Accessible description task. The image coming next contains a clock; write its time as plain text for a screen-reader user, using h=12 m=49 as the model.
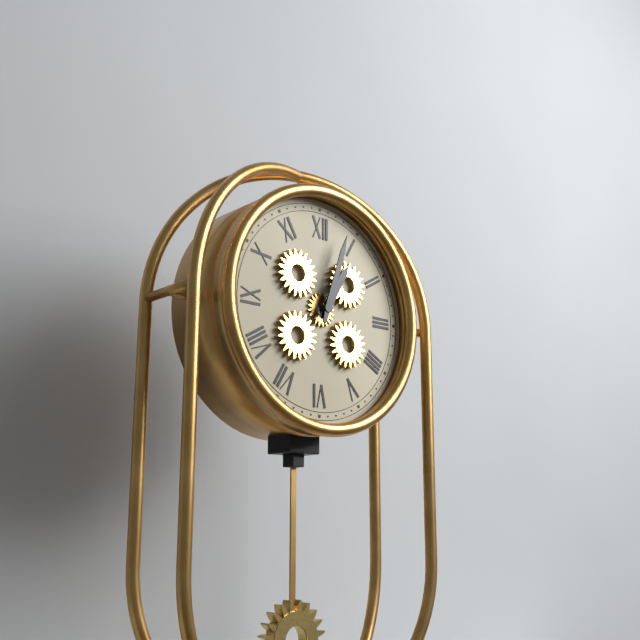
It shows h=1 m=3
